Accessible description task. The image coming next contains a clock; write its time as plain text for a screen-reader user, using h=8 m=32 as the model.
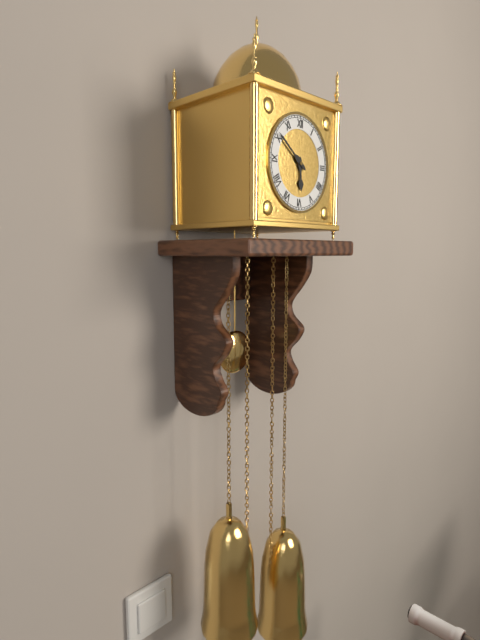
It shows h=5 m=51
